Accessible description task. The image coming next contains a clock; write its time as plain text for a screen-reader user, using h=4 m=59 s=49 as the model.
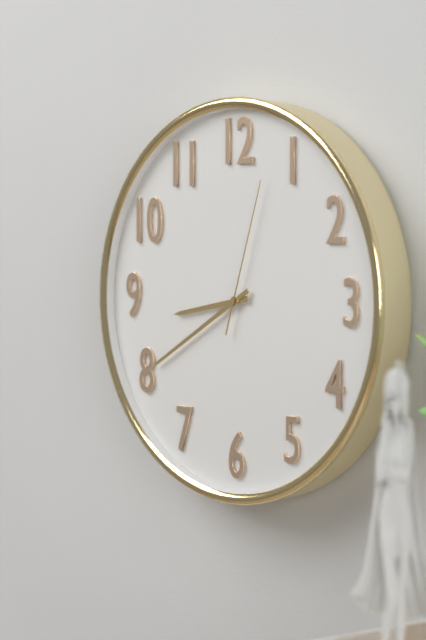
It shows h=8 m=40 s=3
